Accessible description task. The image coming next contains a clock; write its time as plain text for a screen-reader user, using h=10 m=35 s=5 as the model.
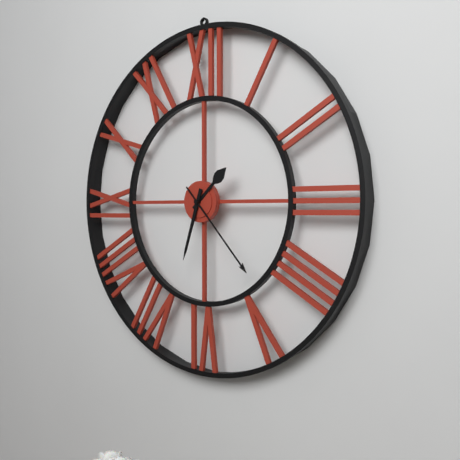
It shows h=1 m=33 s=23
